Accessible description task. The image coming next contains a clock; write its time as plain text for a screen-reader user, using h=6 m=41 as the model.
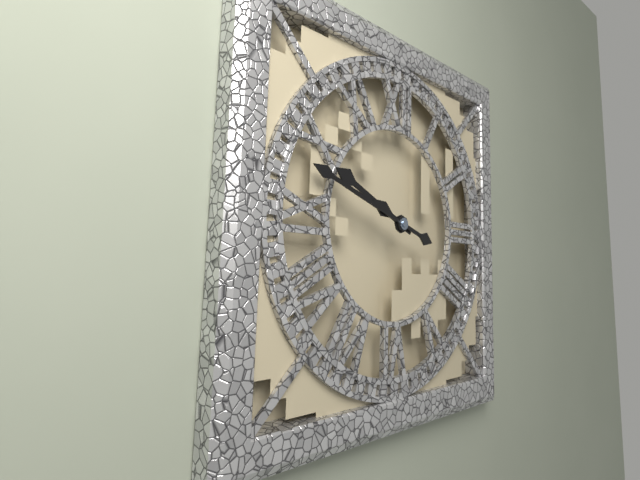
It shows h=9 m=48
